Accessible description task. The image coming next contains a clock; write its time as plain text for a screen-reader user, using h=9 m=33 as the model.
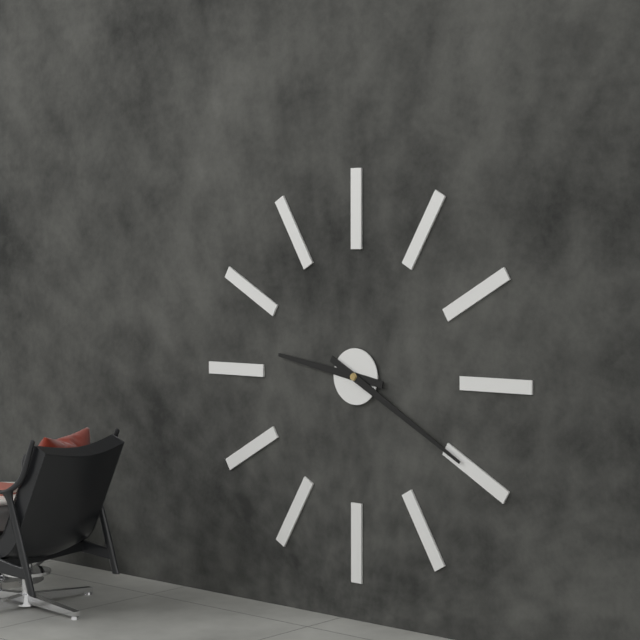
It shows h=9 m=20
